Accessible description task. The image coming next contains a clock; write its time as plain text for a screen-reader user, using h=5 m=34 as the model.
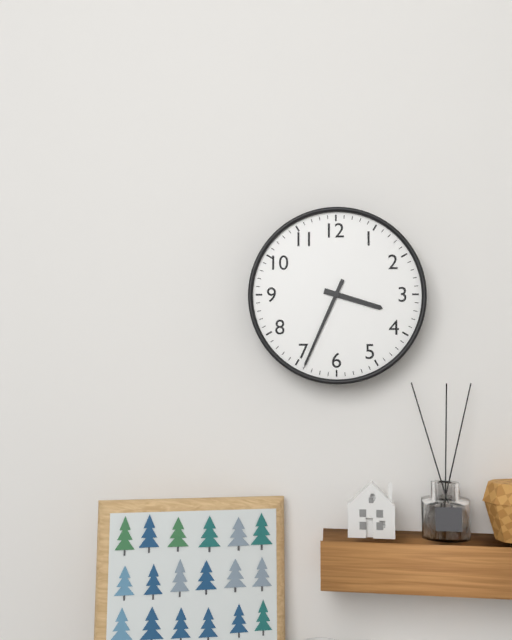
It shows h=3 m=34
